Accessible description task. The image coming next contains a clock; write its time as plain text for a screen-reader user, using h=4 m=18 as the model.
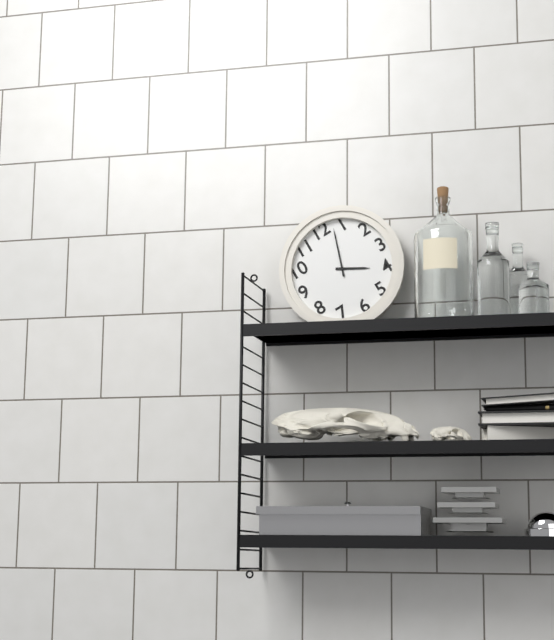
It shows h=4 m=3
